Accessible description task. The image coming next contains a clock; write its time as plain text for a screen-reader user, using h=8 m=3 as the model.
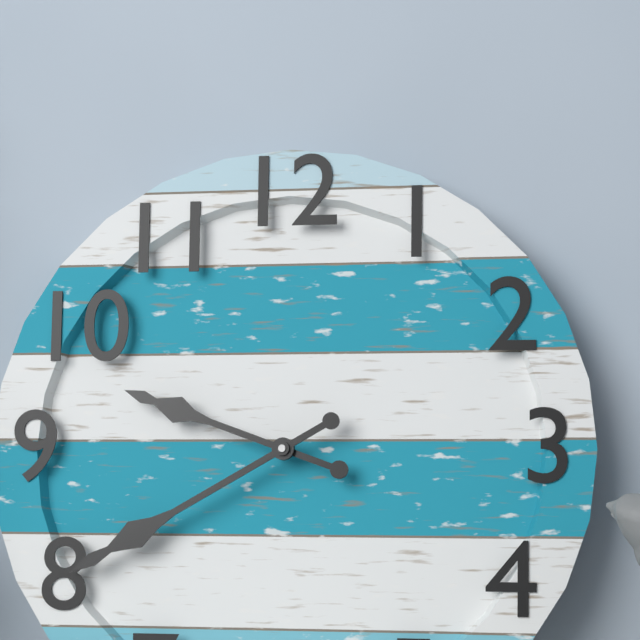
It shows h=9 m=40
